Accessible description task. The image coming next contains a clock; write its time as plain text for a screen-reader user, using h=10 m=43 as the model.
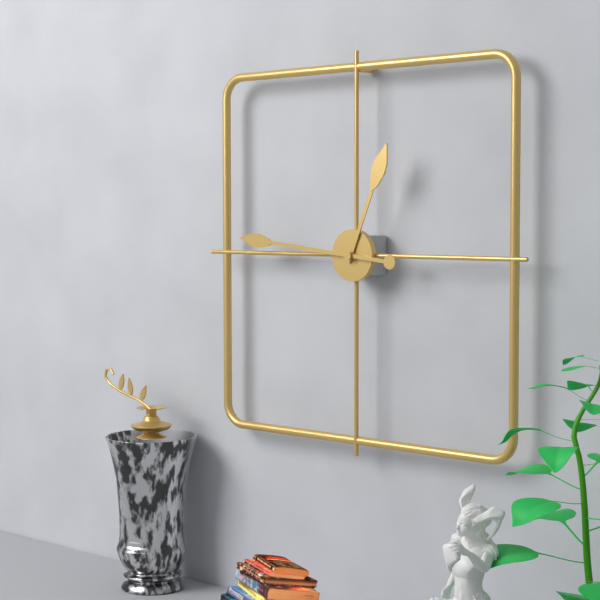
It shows h=12 m=46
